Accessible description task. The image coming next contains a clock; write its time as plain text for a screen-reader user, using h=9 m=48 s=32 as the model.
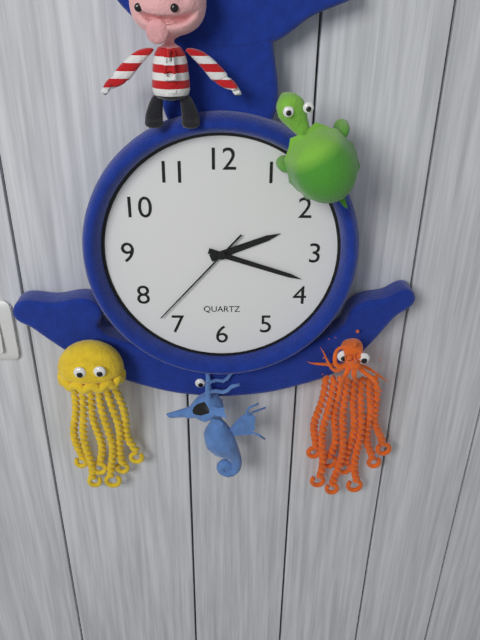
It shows h=2 m=18 s=37
